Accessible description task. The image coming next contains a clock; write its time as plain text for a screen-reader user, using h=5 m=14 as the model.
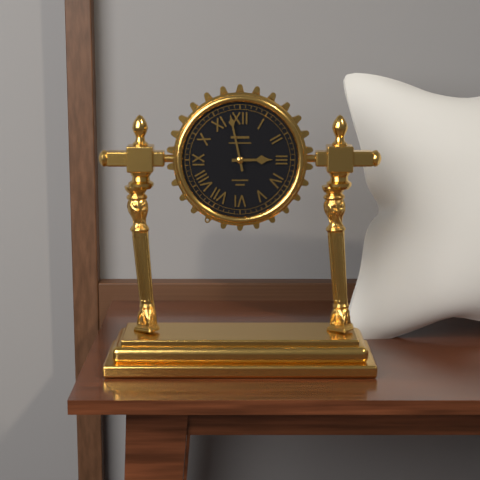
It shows h=2 m=58
